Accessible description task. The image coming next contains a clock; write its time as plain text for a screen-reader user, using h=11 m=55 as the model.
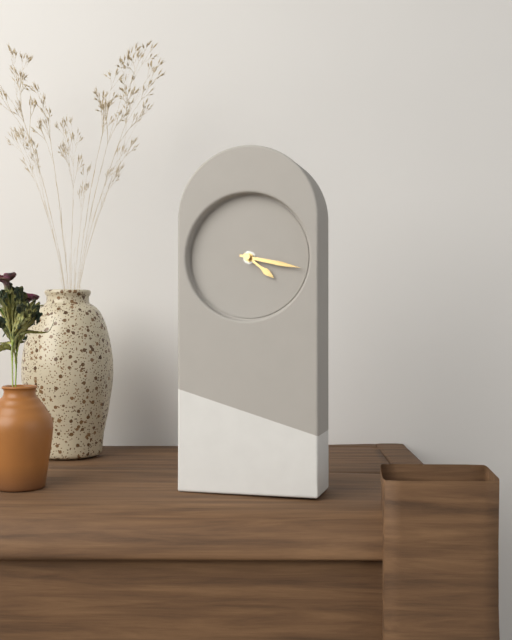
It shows h=4 m=17
